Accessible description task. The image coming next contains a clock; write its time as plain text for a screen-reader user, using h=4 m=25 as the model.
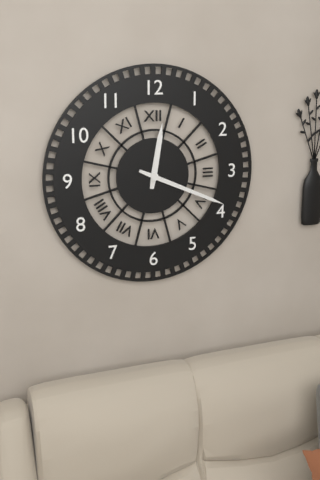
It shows h=12 m=19
